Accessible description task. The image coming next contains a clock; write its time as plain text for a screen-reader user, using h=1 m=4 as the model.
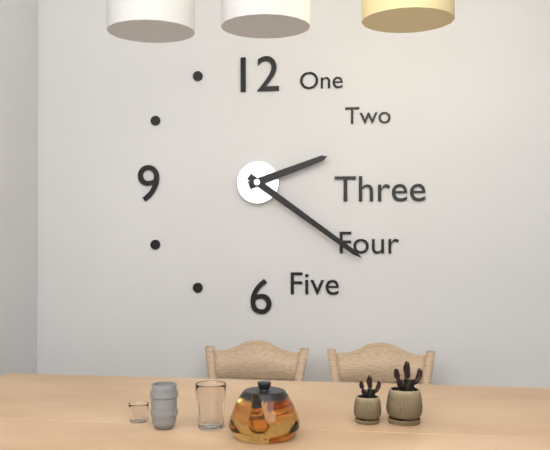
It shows h=2 m=21
